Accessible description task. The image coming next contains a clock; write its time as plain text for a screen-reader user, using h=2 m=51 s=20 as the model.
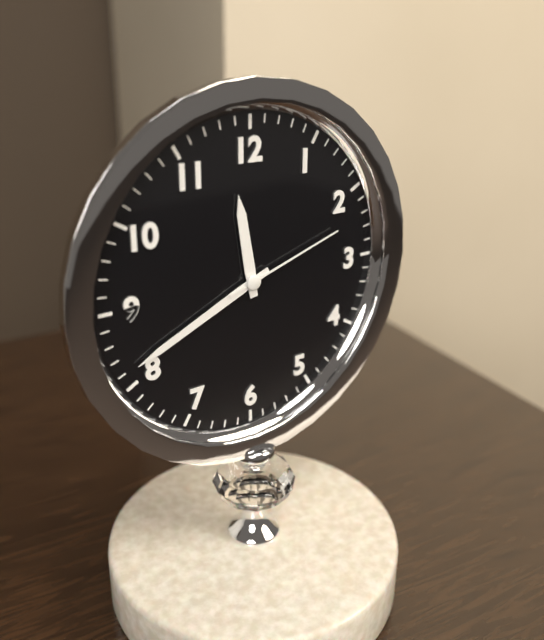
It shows h=11 m=41 s=12
